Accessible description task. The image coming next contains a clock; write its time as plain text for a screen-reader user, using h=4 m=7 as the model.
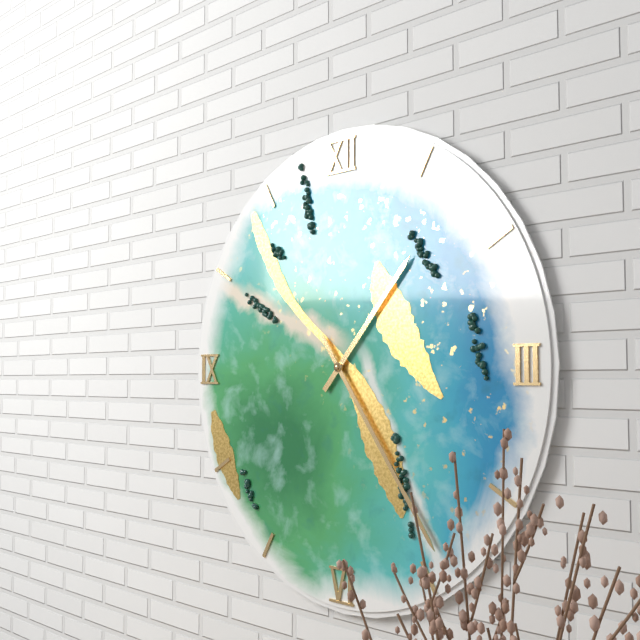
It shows h=1 m=24
